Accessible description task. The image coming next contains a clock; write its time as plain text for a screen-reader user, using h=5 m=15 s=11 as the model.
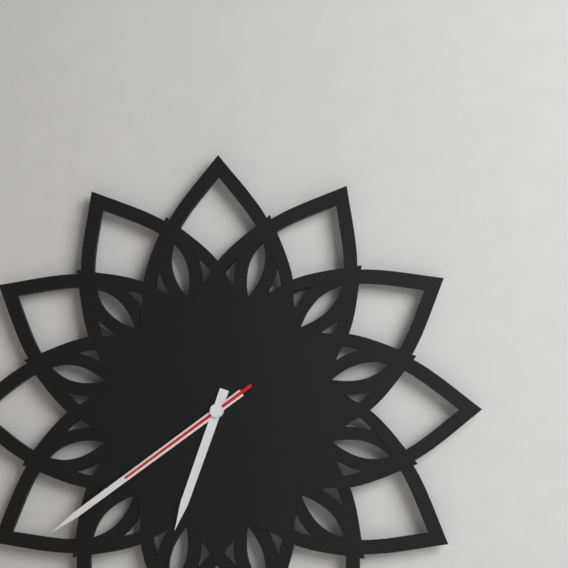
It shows h=6 m=39 s=39
